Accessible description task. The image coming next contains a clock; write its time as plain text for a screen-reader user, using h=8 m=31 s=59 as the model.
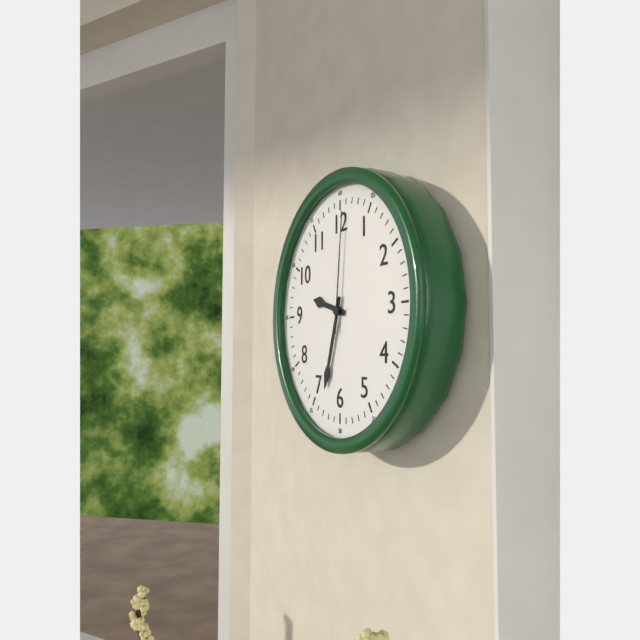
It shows h=9 m=33 s=1
